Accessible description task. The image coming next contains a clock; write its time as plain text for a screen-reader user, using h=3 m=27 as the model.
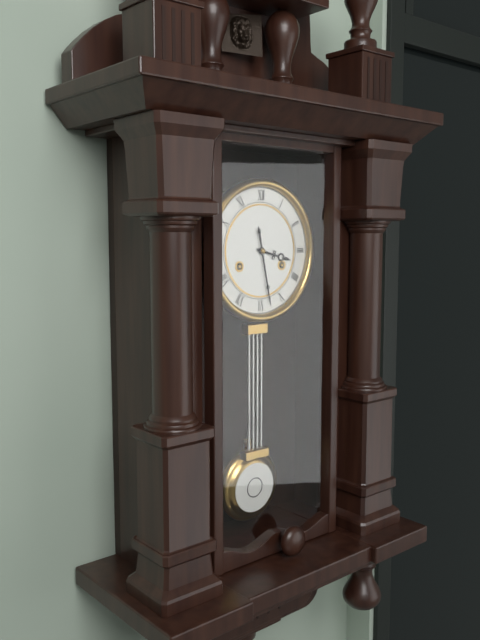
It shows h=3 m=28
